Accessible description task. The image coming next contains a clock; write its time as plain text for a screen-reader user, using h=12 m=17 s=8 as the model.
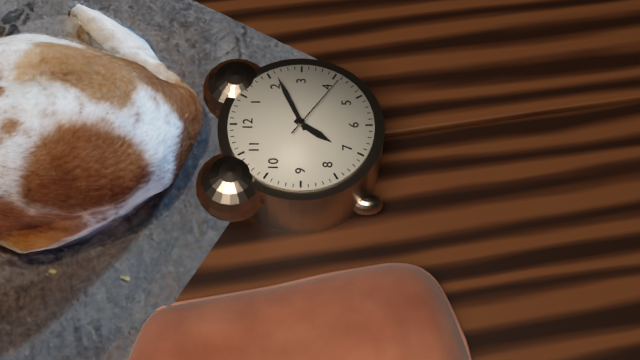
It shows h=7 m=11 s=21
